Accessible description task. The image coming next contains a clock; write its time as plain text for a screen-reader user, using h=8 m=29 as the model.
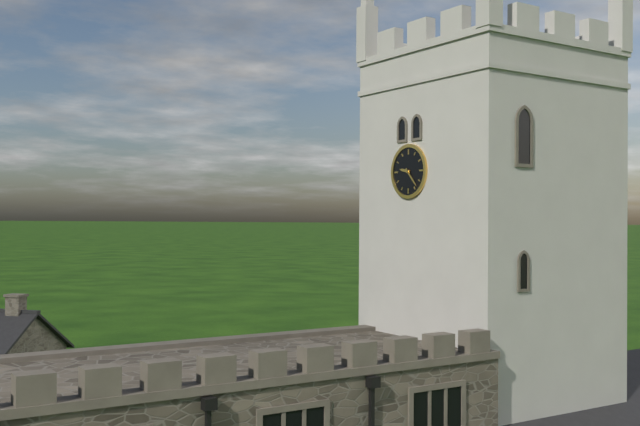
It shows h=9 m=23
